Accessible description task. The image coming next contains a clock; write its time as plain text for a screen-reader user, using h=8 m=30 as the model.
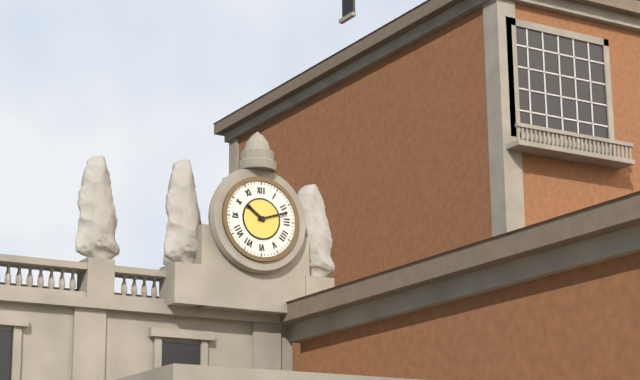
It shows h=10 m=12
